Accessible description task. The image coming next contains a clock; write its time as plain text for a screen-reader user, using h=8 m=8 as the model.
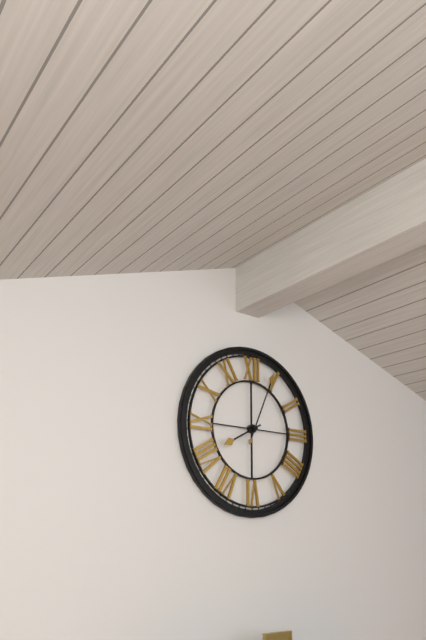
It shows h=8 m=4
